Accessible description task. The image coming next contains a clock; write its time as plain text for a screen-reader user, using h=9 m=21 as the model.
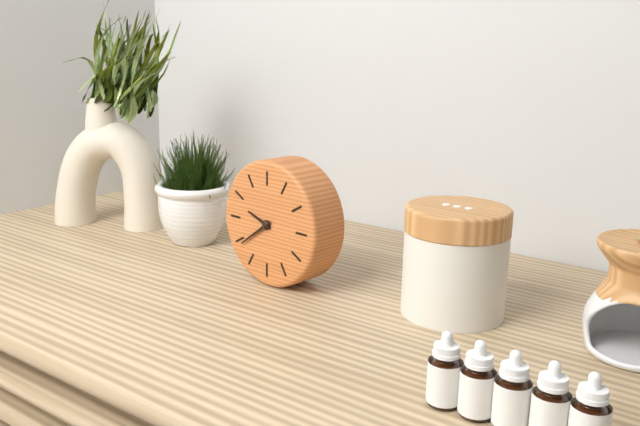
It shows h=9 m=39
